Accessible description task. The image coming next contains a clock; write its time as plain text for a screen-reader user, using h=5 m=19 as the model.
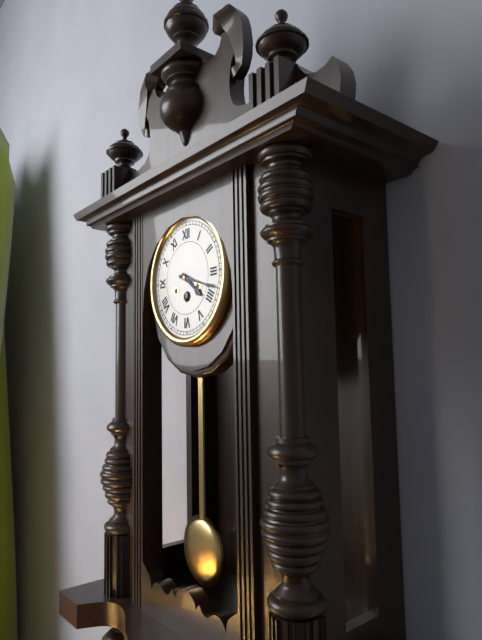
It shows h=4 m=18
